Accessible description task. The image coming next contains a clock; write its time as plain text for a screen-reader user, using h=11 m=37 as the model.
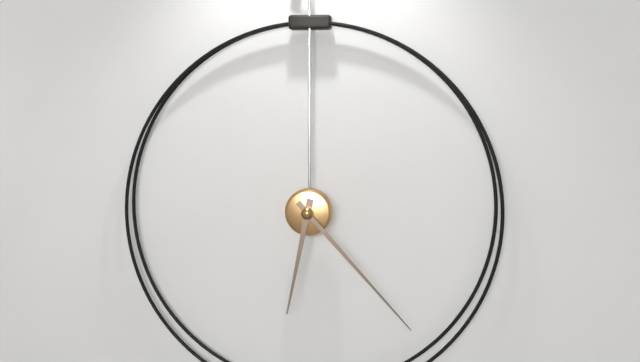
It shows h=6 m=23
